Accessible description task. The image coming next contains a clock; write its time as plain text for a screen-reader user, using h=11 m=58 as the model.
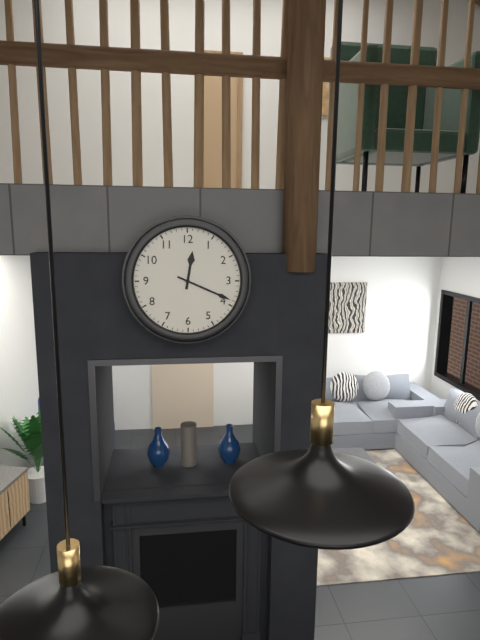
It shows h=12 m=19
